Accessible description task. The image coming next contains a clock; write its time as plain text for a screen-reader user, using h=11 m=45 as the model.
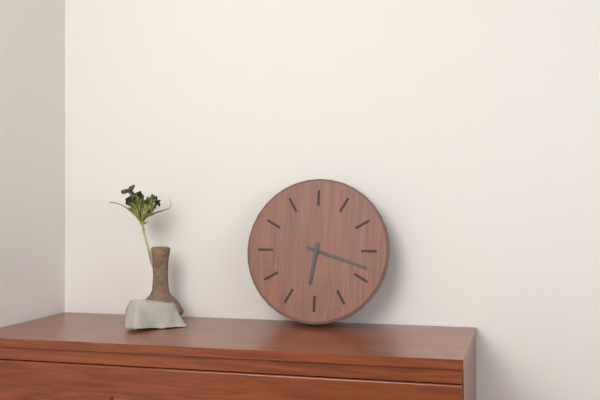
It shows h=6 m=18
